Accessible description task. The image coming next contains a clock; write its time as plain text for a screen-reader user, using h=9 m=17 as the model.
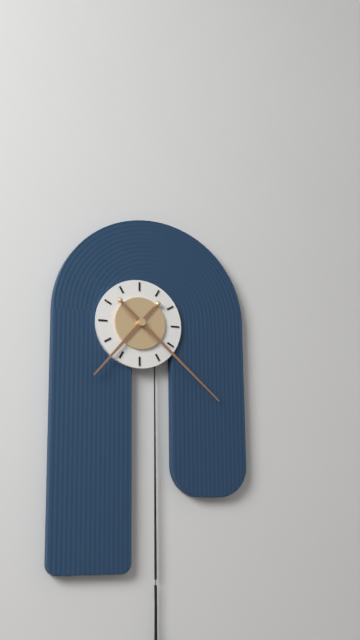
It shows h=7 m=22
